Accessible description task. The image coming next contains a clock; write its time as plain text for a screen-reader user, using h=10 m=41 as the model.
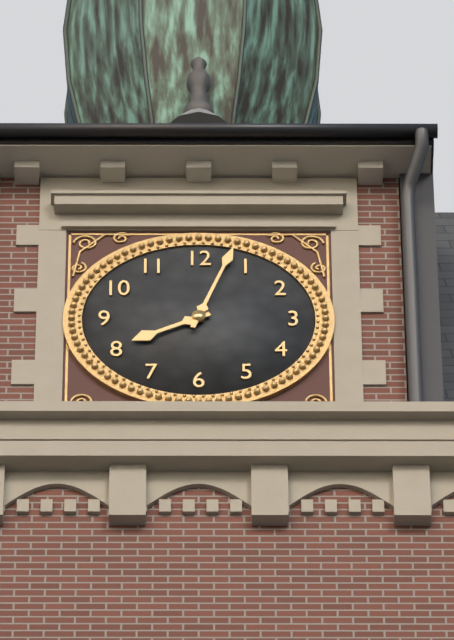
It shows h=8 m=3
